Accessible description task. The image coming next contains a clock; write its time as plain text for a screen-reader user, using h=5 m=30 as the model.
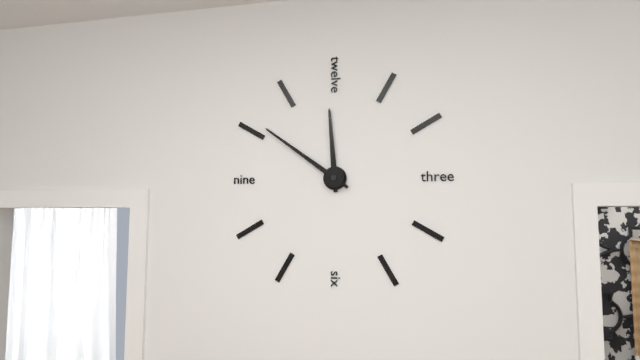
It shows h=11 m=51
